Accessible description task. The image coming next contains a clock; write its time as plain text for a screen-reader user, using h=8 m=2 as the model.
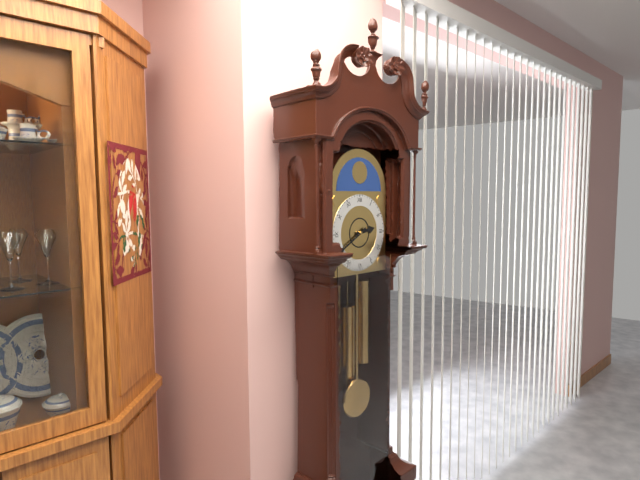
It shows h=2 m=40
